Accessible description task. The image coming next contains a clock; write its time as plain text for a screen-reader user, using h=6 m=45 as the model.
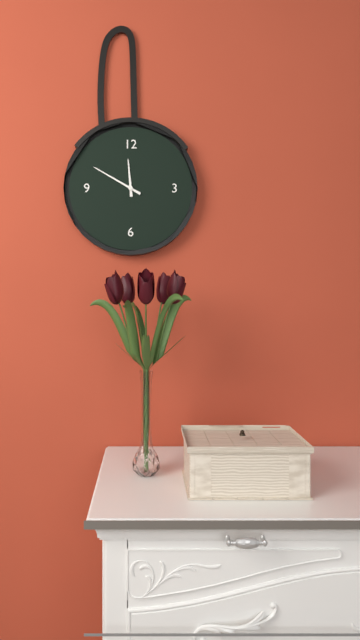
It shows h=11 m=50
